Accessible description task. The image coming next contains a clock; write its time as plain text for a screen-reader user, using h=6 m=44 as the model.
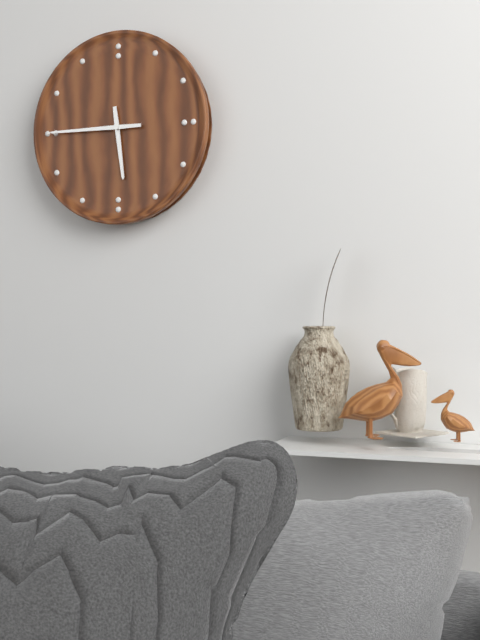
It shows h=5 m=45
